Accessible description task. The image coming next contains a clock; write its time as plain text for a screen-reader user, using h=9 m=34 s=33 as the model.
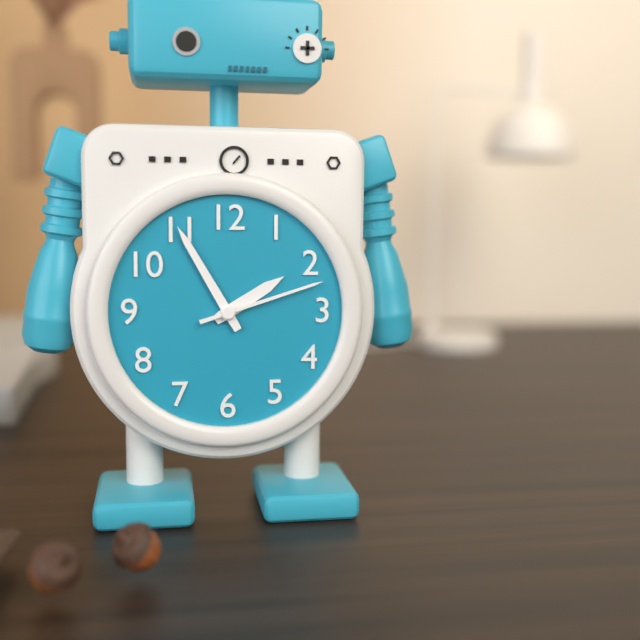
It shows h=1 m=55 s=12
